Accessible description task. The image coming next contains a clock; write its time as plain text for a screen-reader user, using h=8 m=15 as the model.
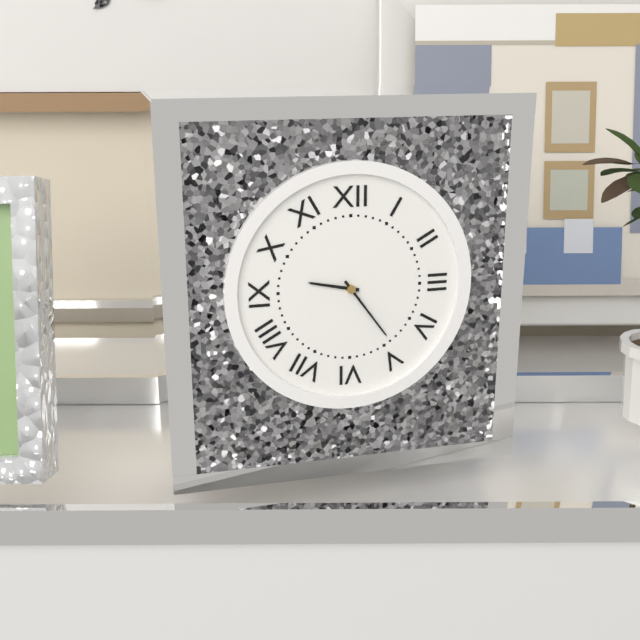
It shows h=9 m=24
